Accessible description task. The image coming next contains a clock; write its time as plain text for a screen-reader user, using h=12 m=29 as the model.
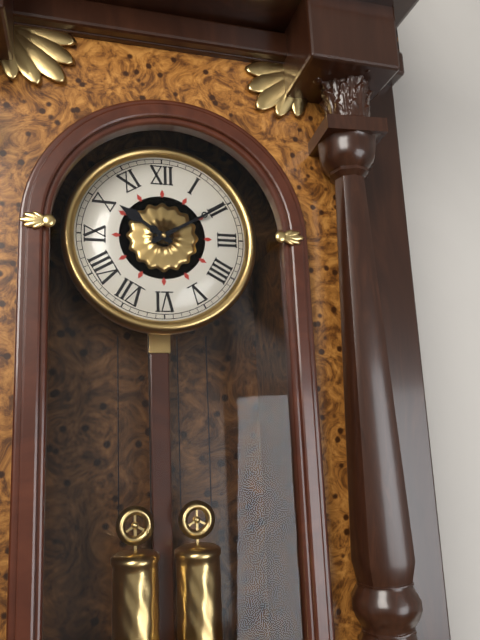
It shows h=10 m=10
